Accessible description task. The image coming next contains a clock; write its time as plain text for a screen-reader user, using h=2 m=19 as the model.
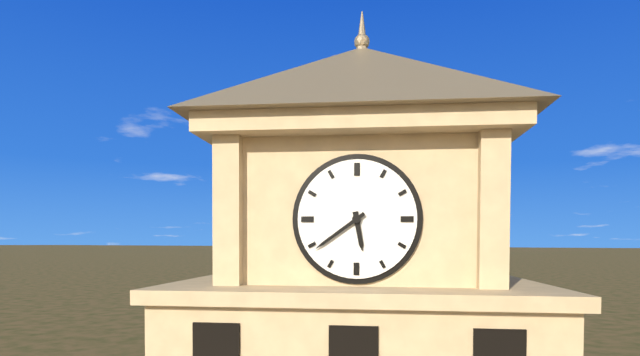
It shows h=5 m=39
